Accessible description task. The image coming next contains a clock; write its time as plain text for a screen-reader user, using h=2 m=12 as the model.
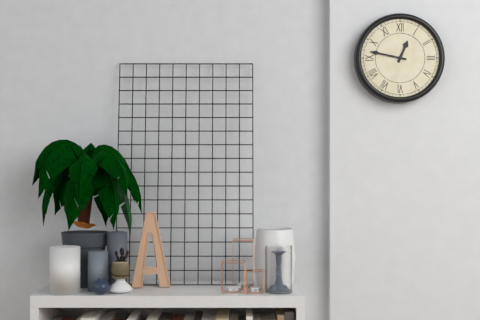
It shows h=12 m=47
